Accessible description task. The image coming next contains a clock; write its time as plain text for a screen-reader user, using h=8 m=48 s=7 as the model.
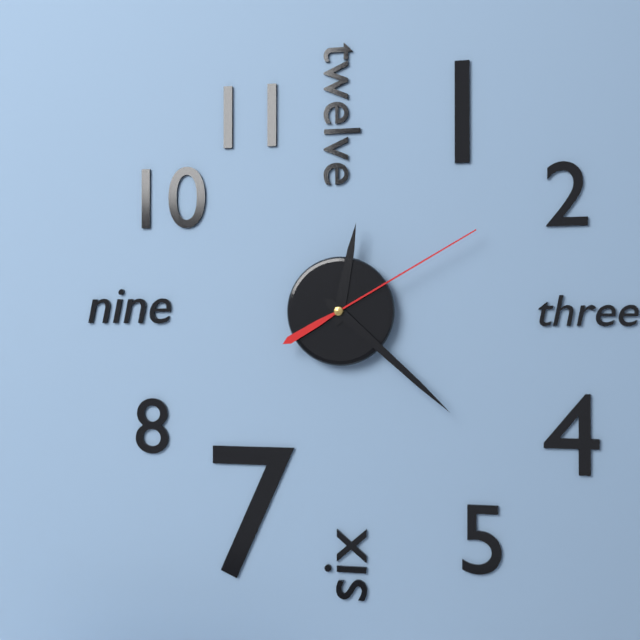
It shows h=12 m=22 s=10
